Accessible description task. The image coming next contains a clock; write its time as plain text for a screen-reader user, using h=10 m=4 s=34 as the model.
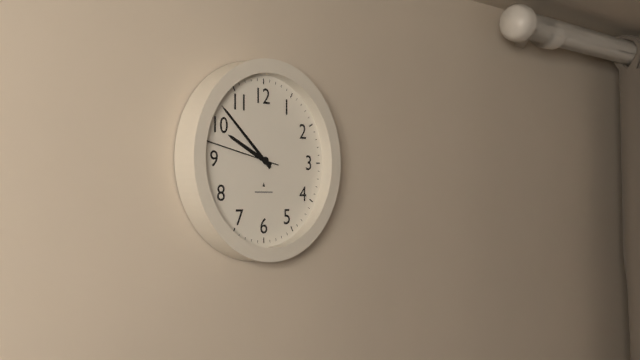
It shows h=9 m=52 s=47
